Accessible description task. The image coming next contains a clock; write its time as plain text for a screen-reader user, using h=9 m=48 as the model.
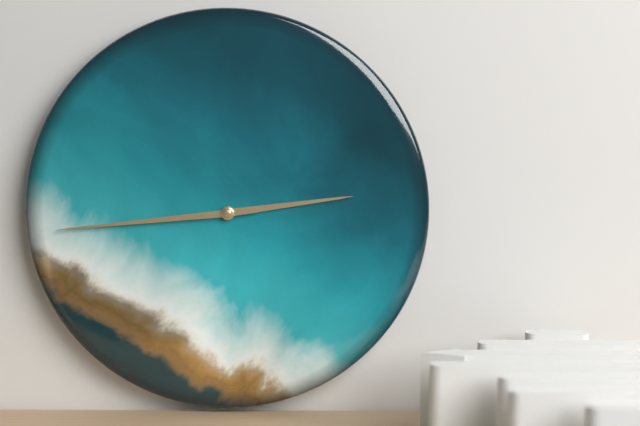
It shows h=2 m=44
